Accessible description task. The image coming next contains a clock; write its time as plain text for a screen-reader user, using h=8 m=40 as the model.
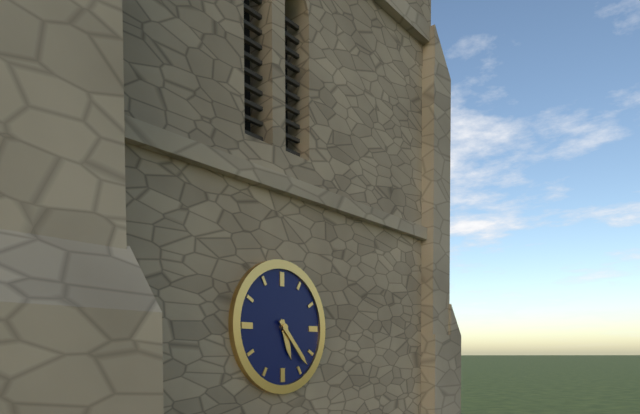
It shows h=5 m=23
